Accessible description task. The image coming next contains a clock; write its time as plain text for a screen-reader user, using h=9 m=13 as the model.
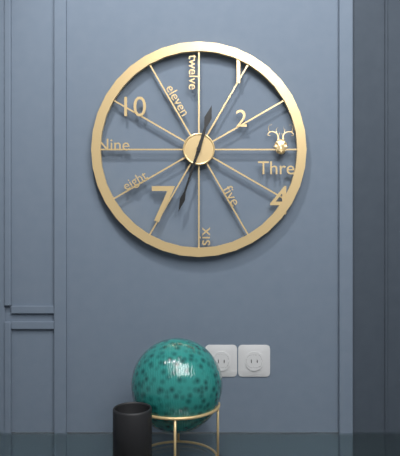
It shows h=12 m=33
